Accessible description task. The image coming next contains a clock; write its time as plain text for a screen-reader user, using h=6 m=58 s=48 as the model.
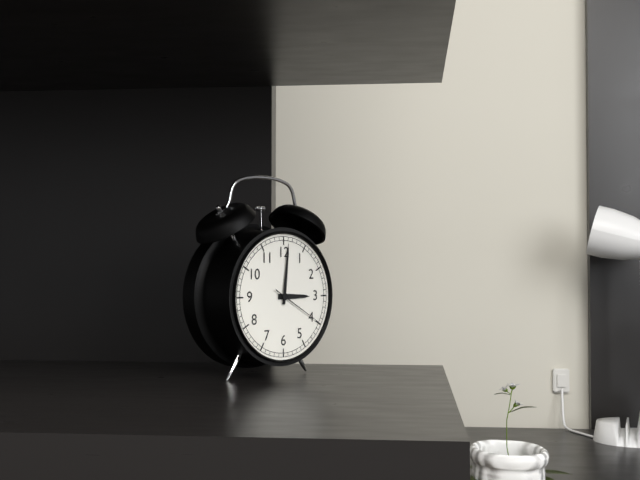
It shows h=3 m=1 s=20
